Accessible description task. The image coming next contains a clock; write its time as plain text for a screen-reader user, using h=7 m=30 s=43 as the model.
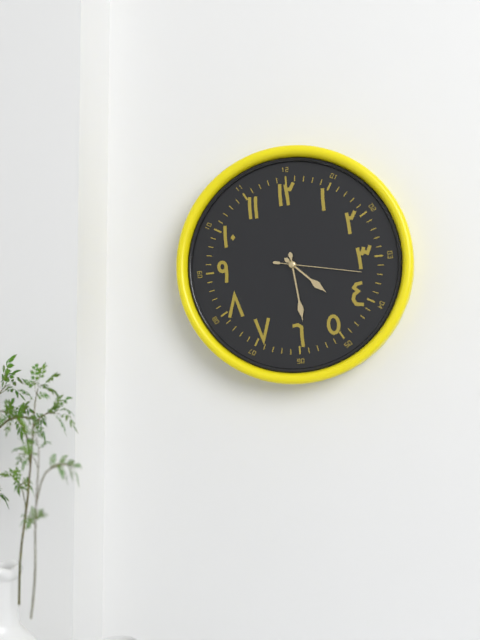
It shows h=4 m=29 s=17
